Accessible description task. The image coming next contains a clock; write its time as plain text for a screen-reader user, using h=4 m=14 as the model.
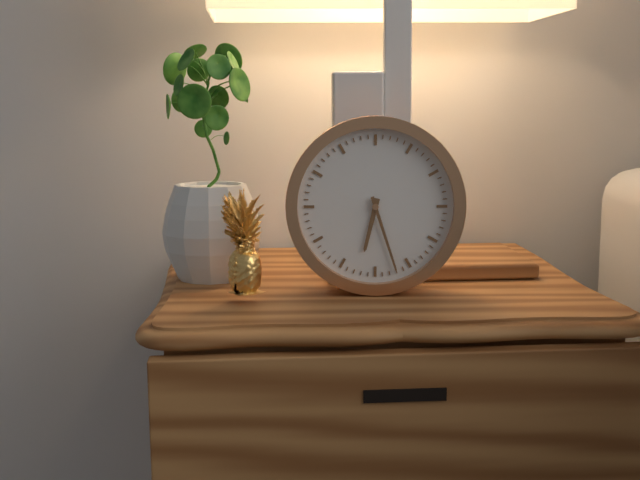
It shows h=6 m=27
